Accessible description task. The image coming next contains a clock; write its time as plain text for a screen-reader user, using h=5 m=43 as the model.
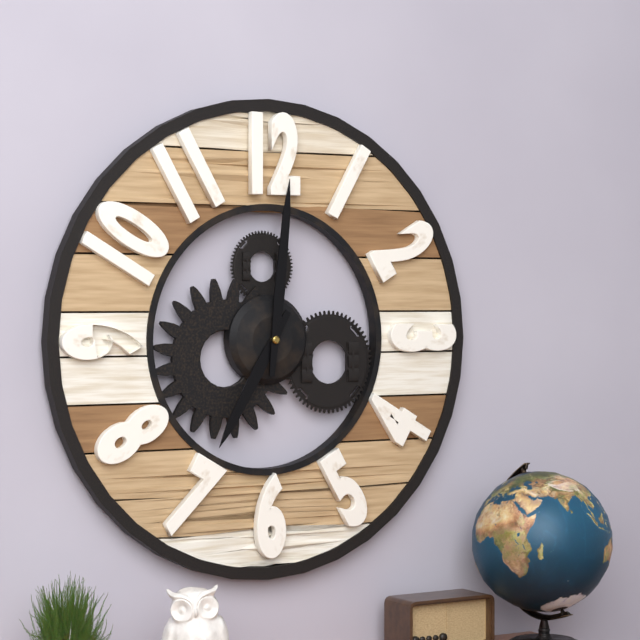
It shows h=7 m=1
